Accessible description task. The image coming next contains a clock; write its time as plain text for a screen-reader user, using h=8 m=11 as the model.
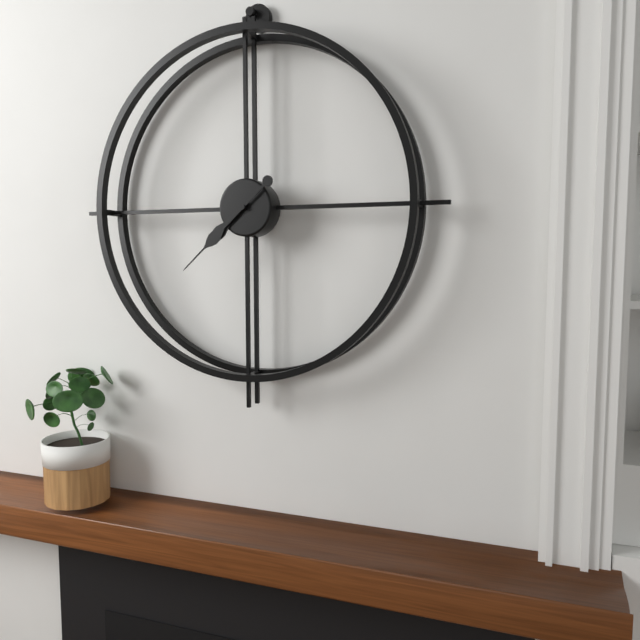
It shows h=7 m=38
